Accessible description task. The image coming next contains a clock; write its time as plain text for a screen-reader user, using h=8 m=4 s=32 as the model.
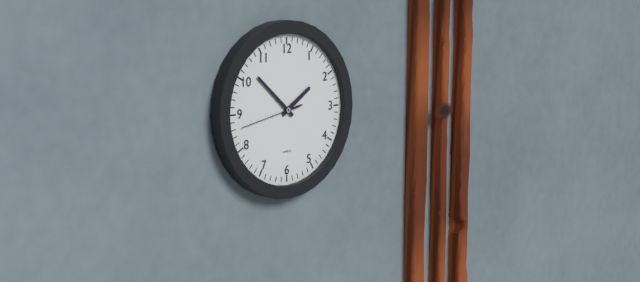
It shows h=1 m=52 s=43
